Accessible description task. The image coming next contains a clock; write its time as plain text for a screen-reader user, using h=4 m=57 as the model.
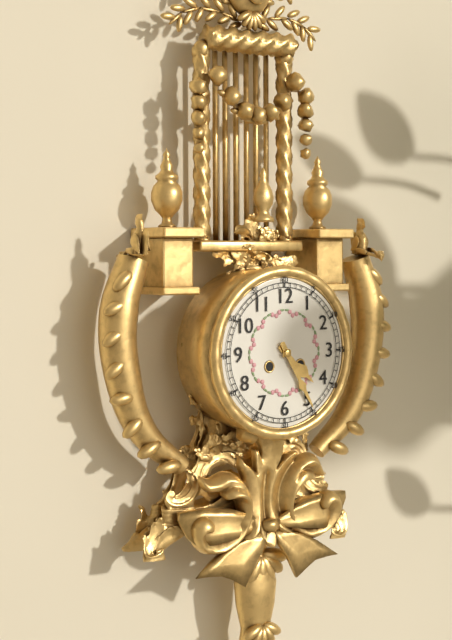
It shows h=4 m=25
